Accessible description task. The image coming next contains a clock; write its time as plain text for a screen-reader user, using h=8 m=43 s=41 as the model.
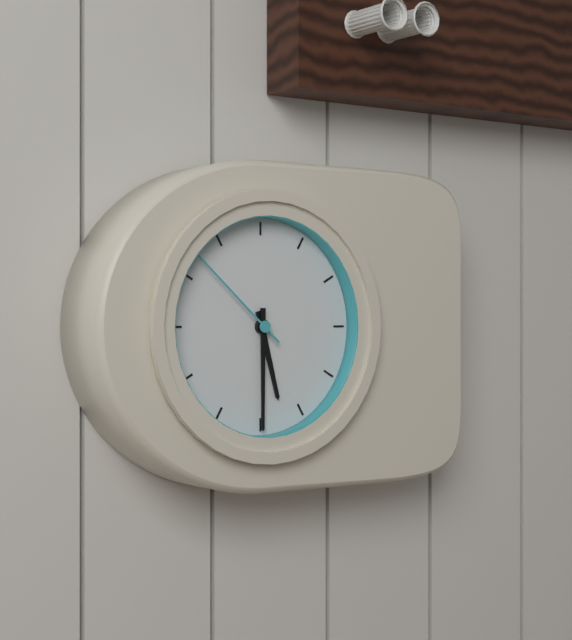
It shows h=5 m=30 s=52
